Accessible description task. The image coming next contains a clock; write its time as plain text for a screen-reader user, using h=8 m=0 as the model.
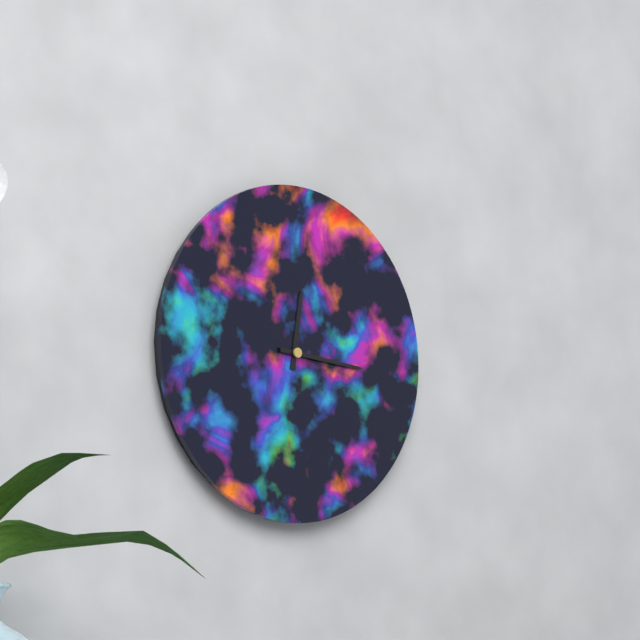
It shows h=12 m=16
